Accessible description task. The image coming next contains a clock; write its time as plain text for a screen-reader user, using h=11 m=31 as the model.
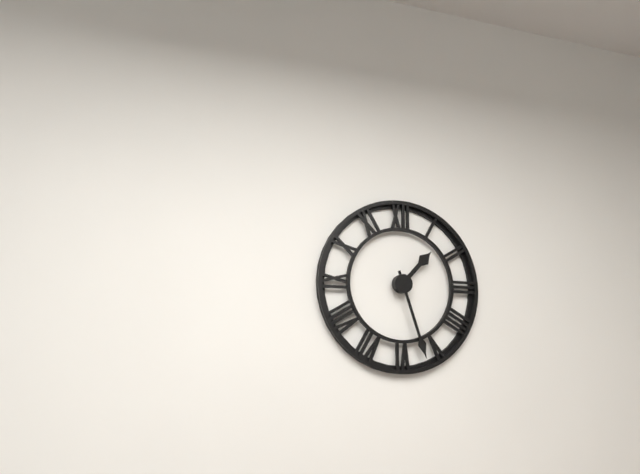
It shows h=1 m=27
